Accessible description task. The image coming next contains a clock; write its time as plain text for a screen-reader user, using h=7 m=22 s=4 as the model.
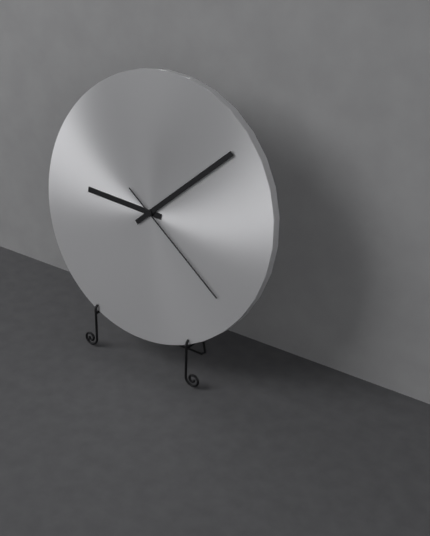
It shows h=9 m=8 s=21
